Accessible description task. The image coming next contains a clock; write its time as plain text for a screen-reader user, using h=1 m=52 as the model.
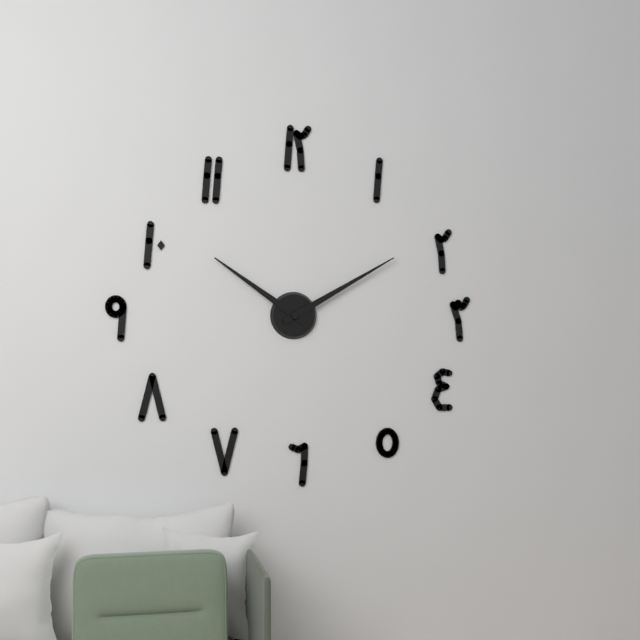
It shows h=10 m=10
